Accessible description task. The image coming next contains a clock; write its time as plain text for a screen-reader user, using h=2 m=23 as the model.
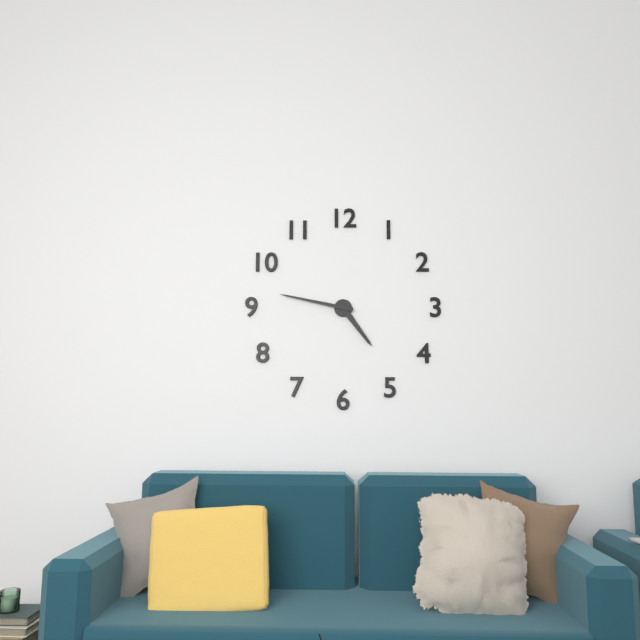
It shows h=4 m=47
